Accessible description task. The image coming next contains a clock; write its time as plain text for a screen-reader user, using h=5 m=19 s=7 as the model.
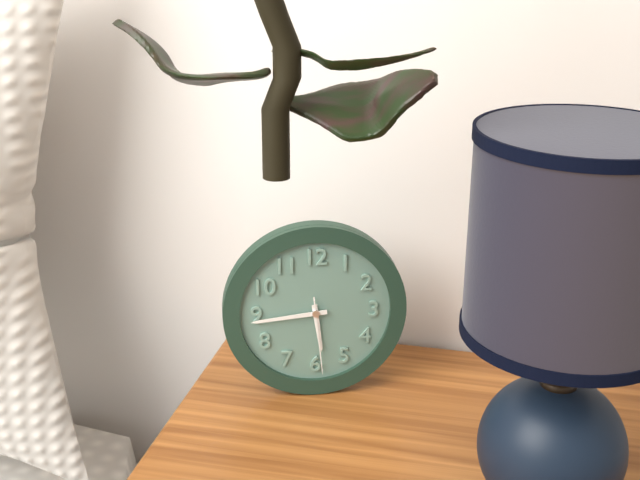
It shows h=5 m=44 s=29
